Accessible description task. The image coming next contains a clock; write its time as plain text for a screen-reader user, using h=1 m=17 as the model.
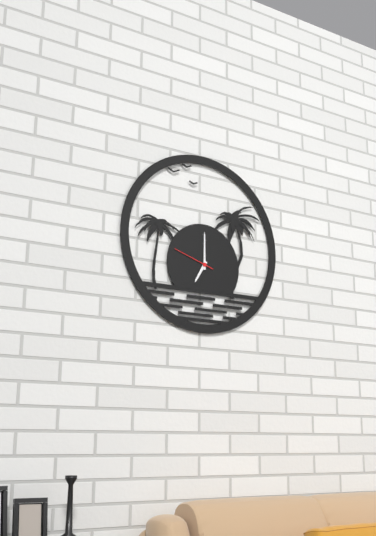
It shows h=7 m=0
